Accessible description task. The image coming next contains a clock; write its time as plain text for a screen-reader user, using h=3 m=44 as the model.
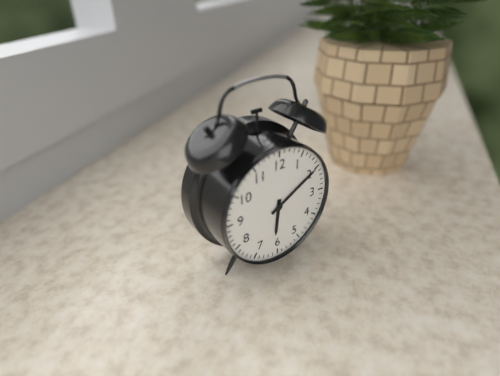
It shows h=6 m=10
